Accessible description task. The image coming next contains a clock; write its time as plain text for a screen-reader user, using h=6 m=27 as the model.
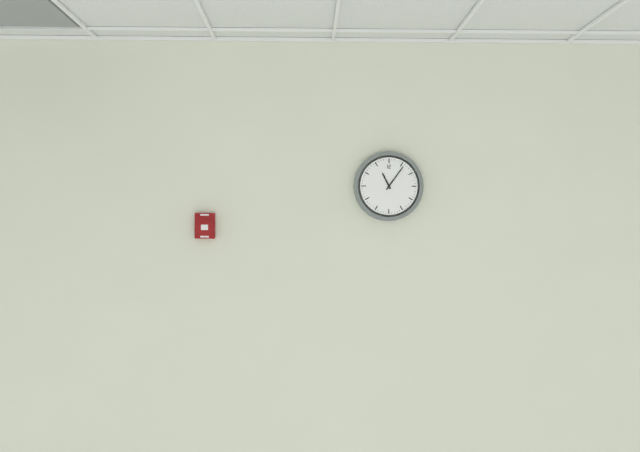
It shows h=11 m=6
